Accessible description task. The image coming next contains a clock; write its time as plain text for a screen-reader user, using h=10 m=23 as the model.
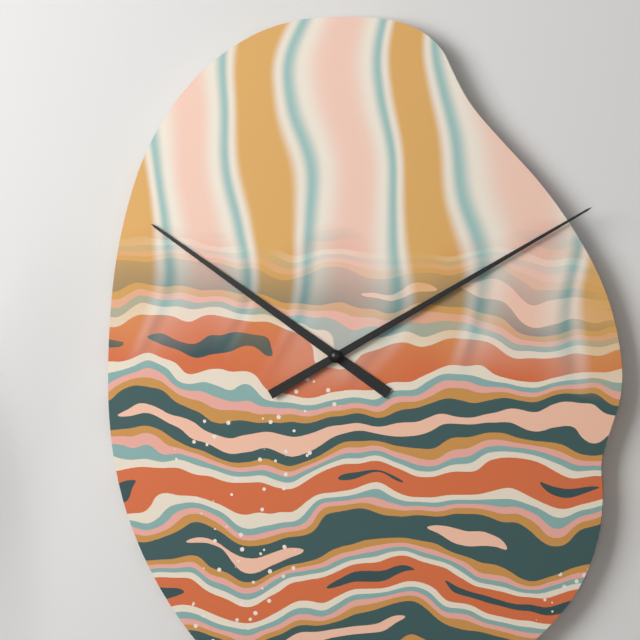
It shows h=10 m=10
